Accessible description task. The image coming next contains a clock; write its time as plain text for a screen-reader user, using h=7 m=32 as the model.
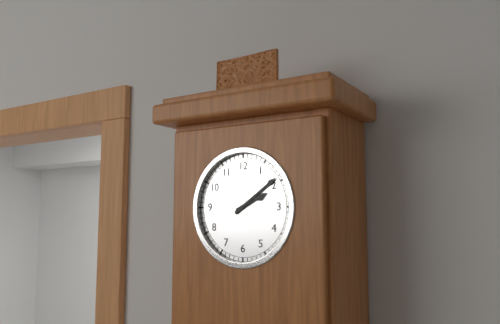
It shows h=2 m=9
